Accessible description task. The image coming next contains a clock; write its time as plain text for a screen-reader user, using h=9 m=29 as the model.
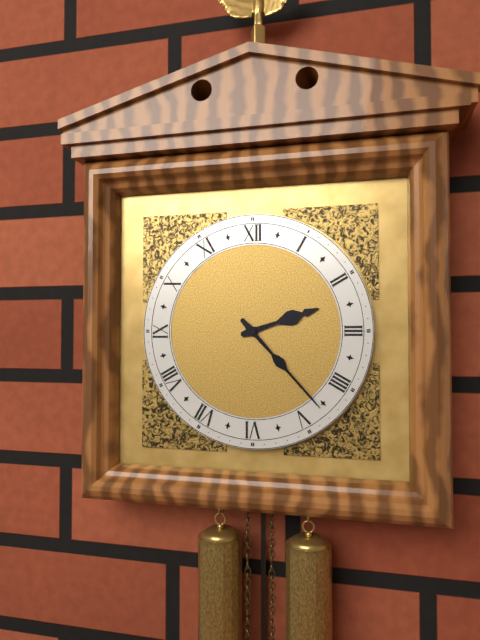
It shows h=2 m=23
